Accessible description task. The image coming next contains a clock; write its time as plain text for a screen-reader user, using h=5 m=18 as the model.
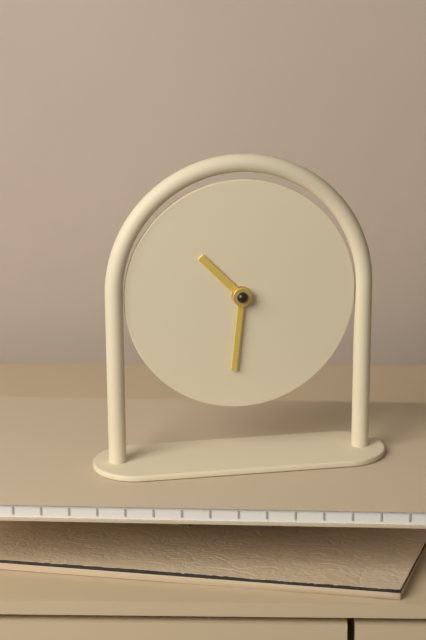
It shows h=10 m=31
